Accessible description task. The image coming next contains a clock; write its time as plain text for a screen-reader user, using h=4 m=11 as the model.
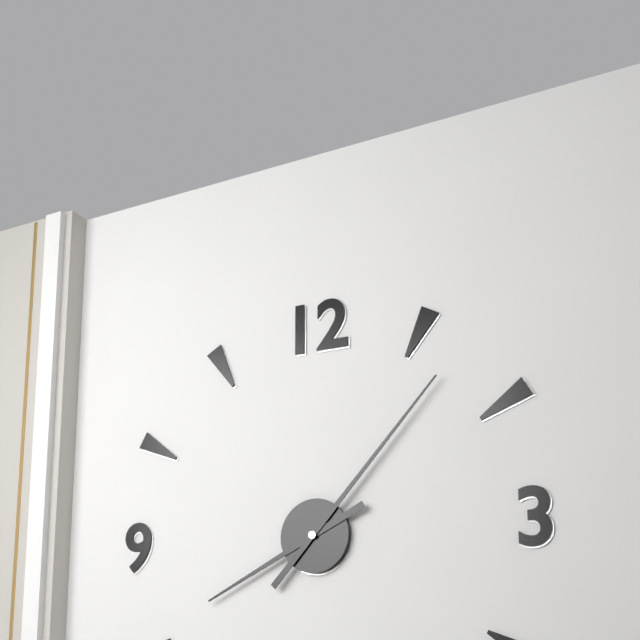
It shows h=8 m=7
